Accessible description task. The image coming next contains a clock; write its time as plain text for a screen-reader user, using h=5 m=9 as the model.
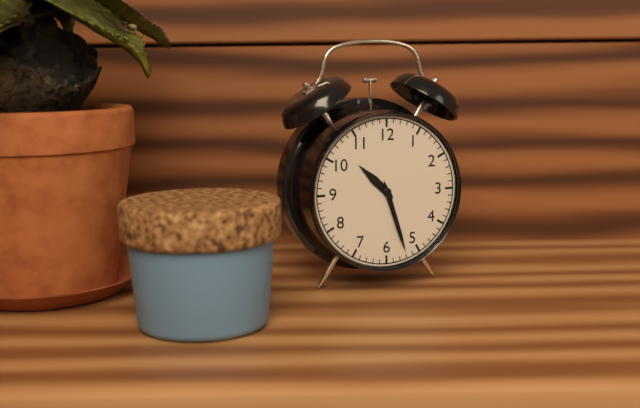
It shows h=10 m=27
